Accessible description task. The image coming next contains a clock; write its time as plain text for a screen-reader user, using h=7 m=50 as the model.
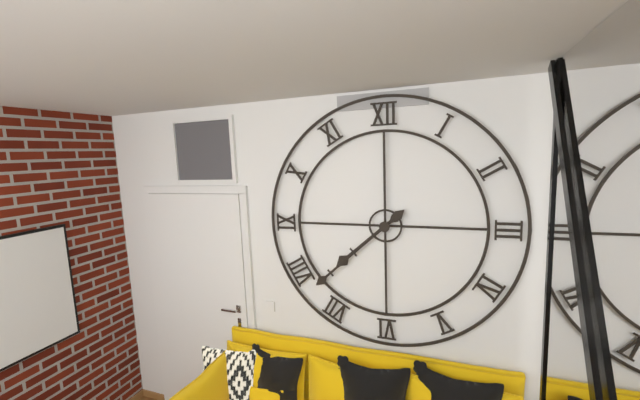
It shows h=7 m=38
